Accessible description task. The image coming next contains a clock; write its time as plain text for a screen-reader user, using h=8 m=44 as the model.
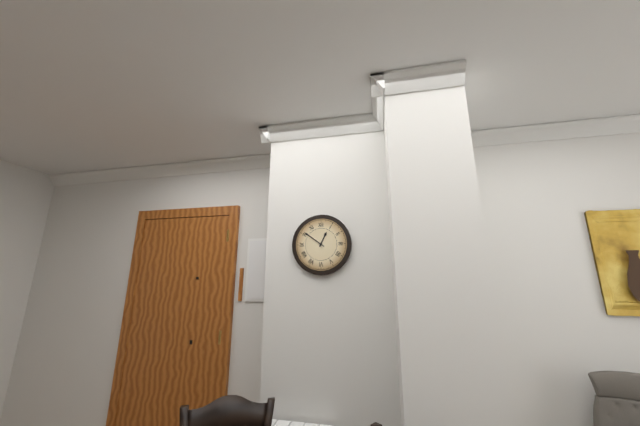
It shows h=12 m=51
